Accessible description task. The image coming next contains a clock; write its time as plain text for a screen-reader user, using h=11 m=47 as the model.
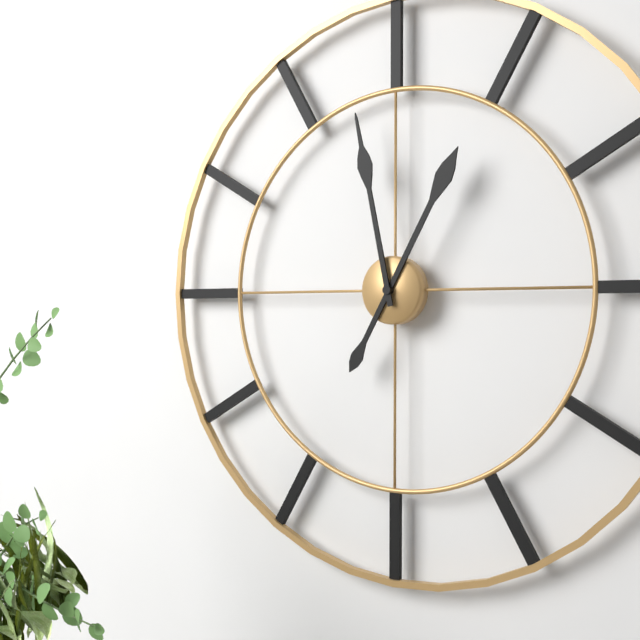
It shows h=12 m=58
